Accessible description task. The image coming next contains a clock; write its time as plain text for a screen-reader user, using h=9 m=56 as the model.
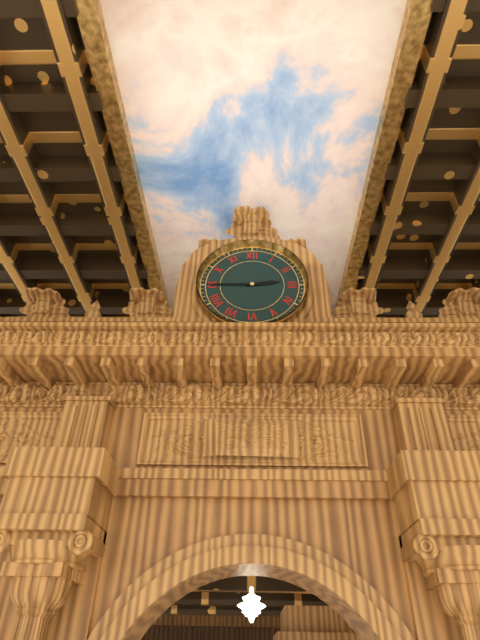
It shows h=2 m=45
